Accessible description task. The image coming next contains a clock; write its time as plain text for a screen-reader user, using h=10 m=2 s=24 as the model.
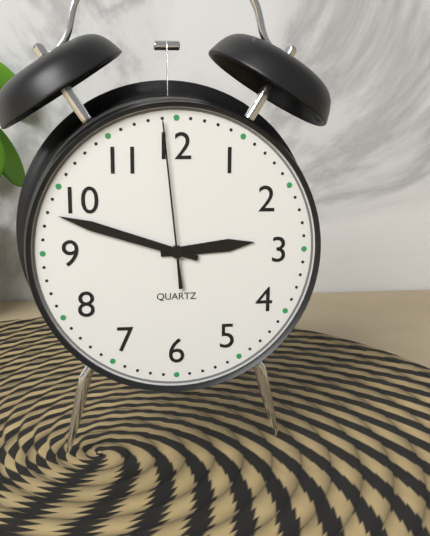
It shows h=2 m=48 s=59
